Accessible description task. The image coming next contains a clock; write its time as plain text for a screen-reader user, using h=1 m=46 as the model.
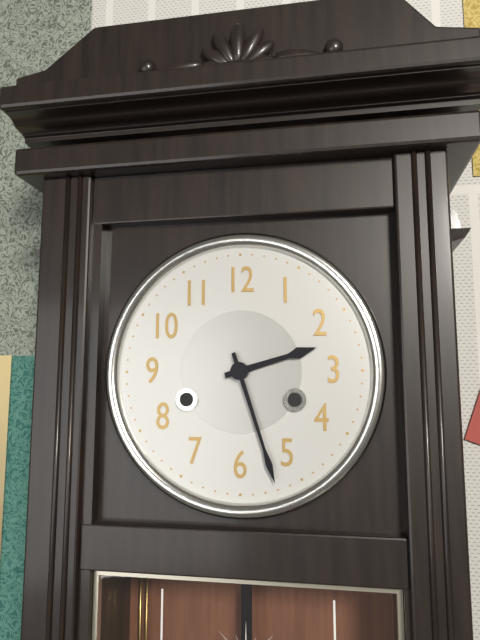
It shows h=2 m=27
